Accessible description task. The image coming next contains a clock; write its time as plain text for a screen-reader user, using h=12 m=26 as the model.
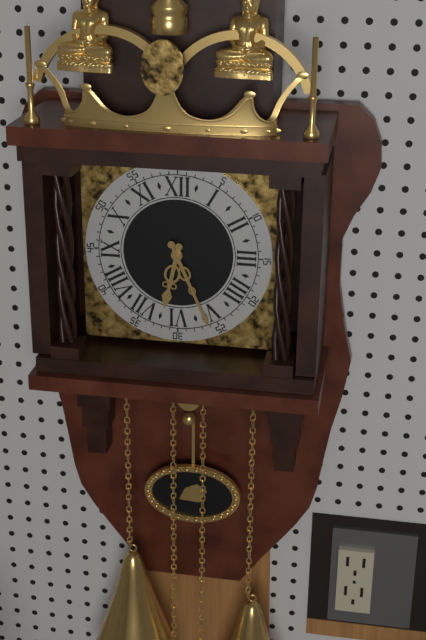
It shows h=6 m=26
